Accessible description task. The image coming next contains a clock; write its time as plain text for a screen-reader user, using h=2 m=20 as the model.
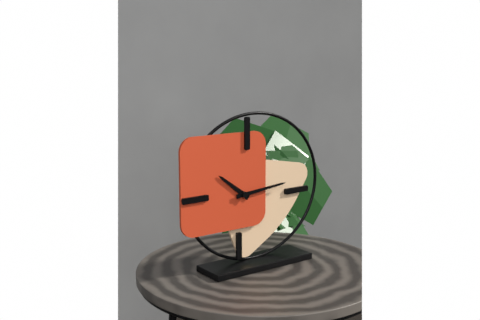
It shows h=10 m=14
